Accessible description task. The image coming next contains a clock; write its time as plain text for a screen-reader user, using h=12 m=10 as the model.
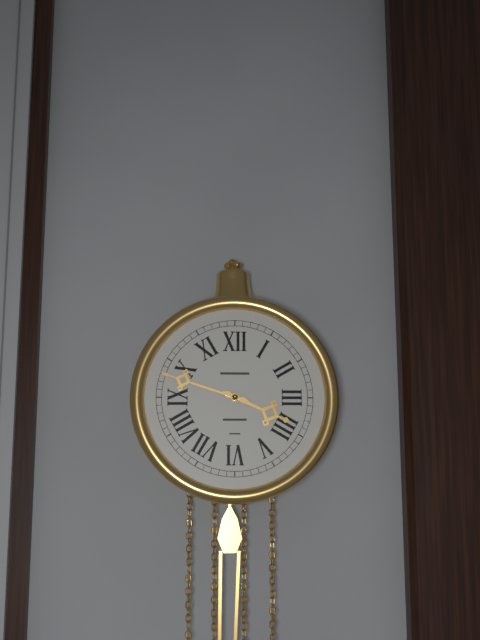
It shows h=3 m=48
